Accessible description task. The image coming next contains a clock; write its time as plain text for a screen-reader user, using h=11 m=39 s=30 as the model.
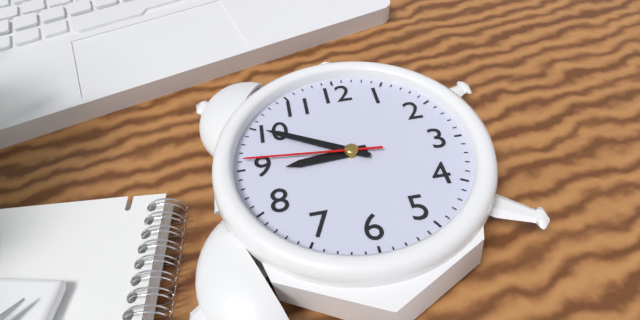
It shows h=8 m=50 s=46
